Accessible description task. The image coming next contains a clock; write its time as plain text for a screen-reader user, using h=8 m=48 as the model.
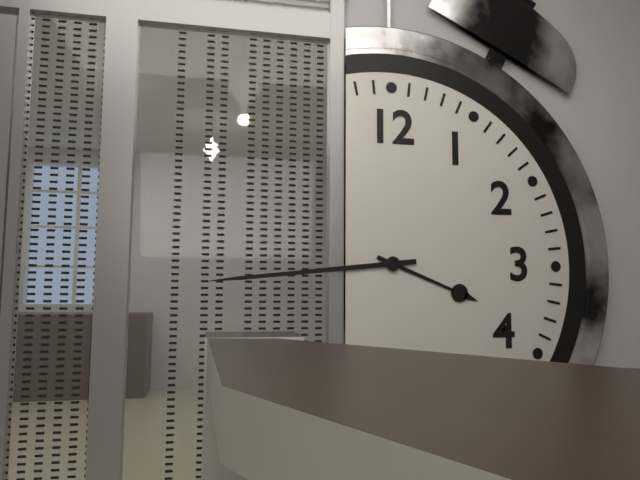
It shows h=3 m=44
